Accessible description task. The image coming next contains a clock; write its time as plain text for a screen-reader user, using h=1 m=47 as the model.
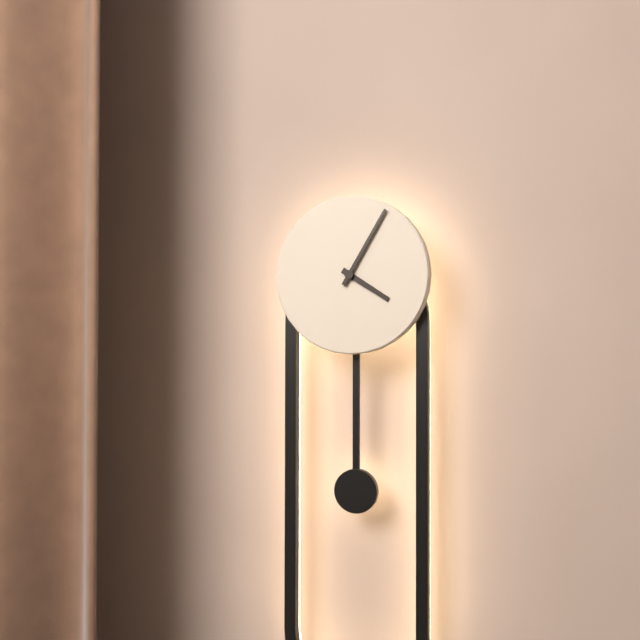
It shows h=4 m=5
